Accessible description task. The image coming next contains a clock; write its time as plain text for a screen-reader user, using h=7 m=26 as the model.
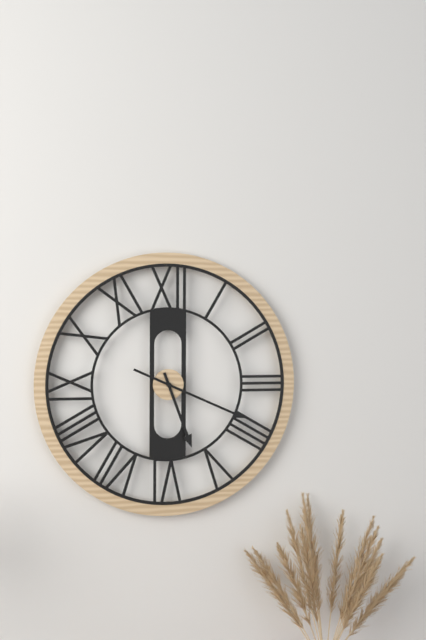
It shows h=5 m=19
